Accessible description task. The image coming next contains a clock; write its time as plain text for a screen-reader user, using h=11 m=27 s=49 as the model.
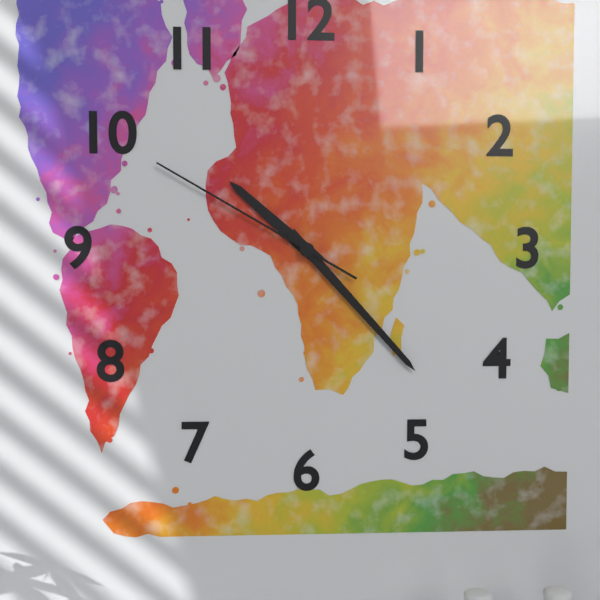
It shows h=10 m=23 s=50
